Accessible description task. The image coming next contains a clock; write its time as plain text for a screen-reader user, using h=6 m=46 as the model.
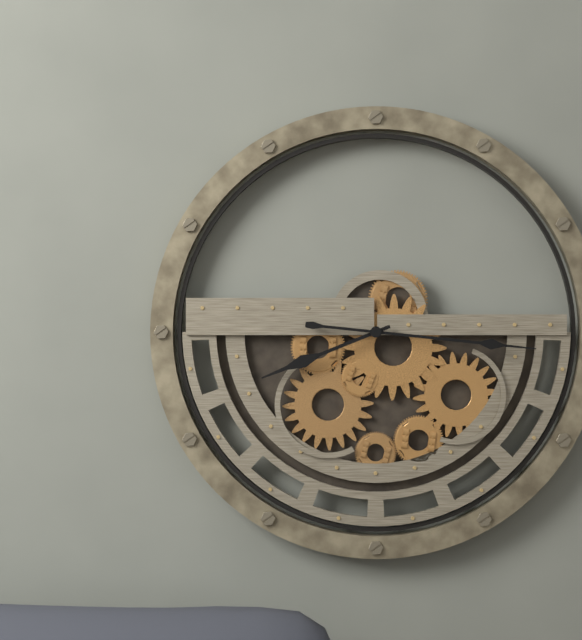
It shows h=8 m=16
